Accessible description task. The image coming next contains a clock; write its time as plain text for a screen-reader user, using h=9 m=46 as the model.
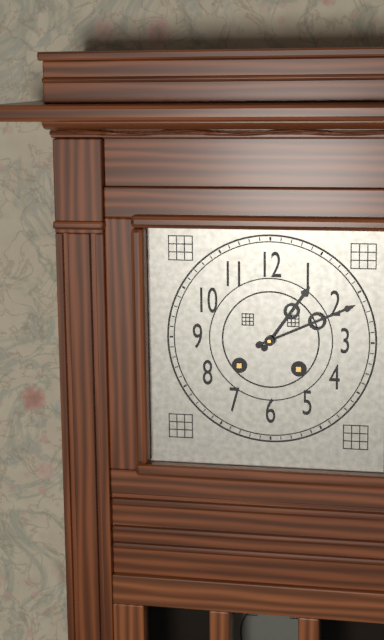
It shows h=1 m=11
